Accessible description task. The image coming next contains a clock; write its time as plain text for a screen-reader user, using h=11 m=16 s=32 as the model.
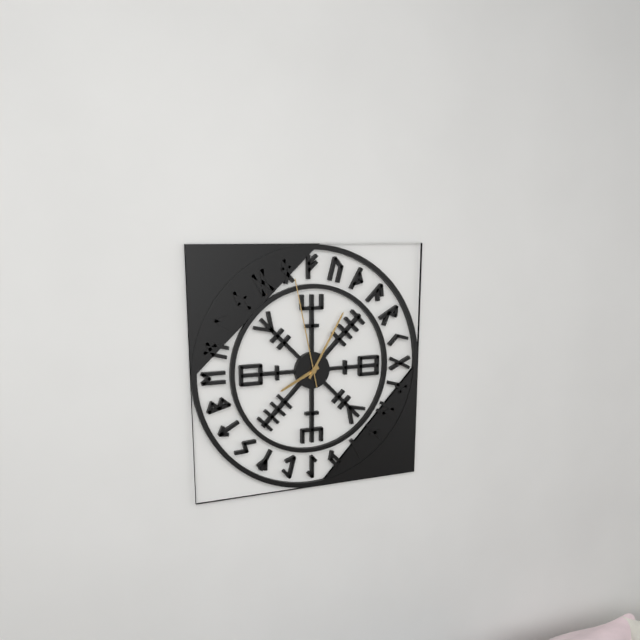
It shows h=8 m=5 s=58
